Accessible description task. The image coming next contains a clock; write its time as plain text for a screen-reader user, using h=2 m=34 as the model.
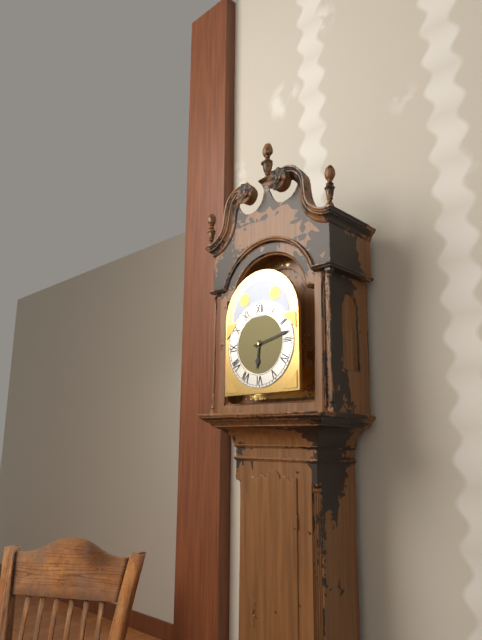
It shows h=6 m=13
